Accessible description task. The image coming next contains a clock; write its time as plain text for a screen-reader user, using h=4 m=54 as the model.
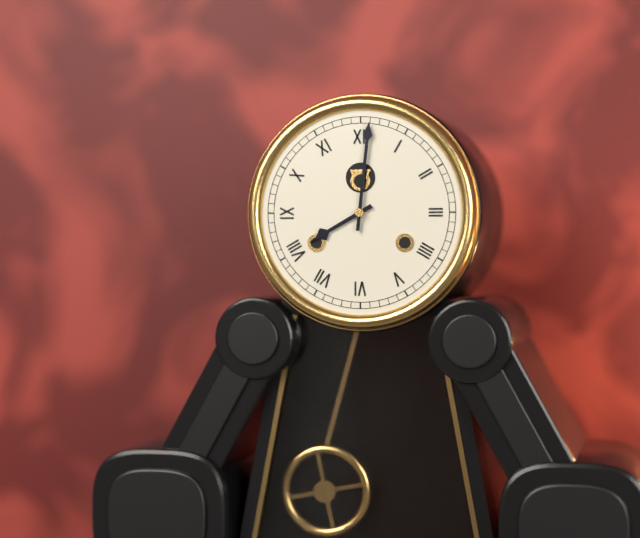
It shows h=8 m=1
